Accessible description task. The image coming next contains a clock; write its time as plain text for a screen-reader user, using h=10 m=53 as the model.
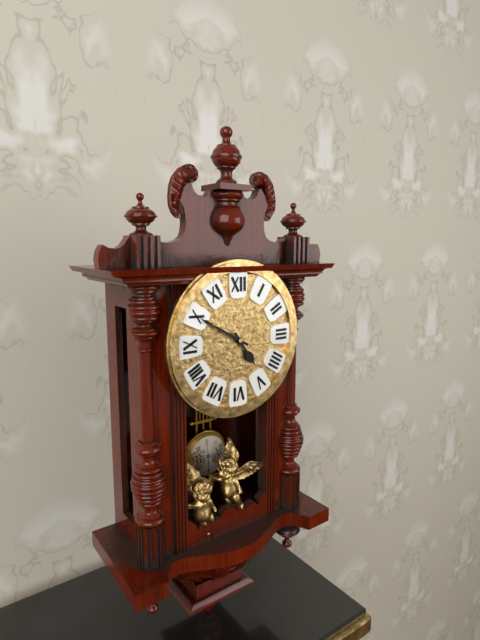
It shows h=4 m=50
